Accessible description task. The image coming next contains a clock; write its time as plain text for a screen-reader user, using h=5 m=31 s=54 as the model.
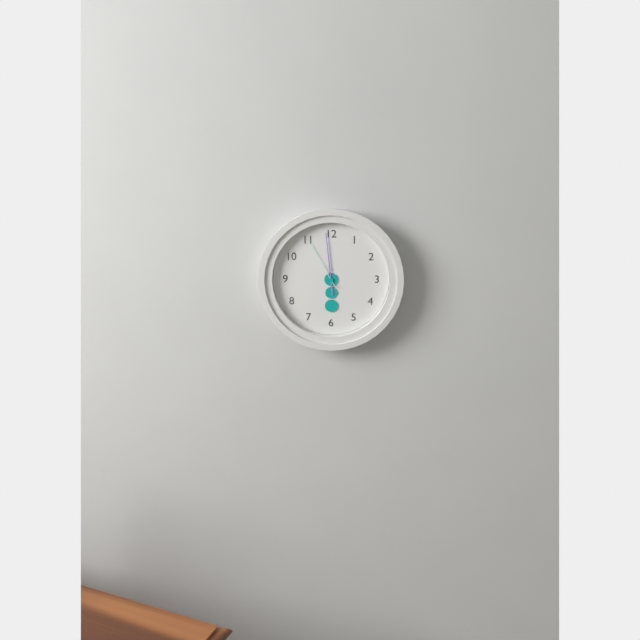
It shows h=5 m=59 s=55
